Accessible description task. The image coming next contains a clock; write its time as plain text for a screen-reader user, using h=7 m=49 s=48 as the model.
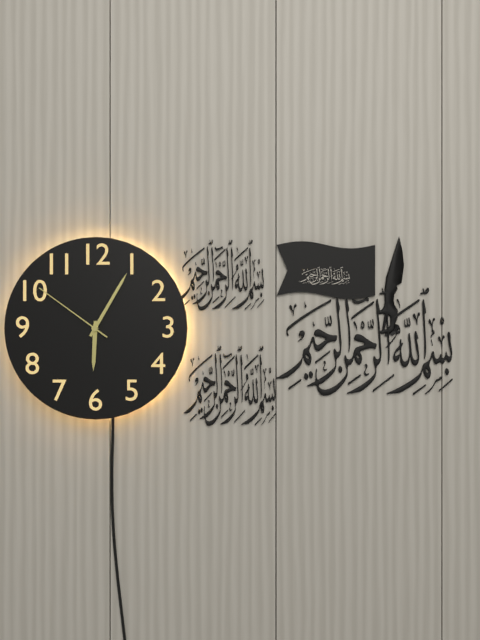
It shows h=6 m=5 s=51
